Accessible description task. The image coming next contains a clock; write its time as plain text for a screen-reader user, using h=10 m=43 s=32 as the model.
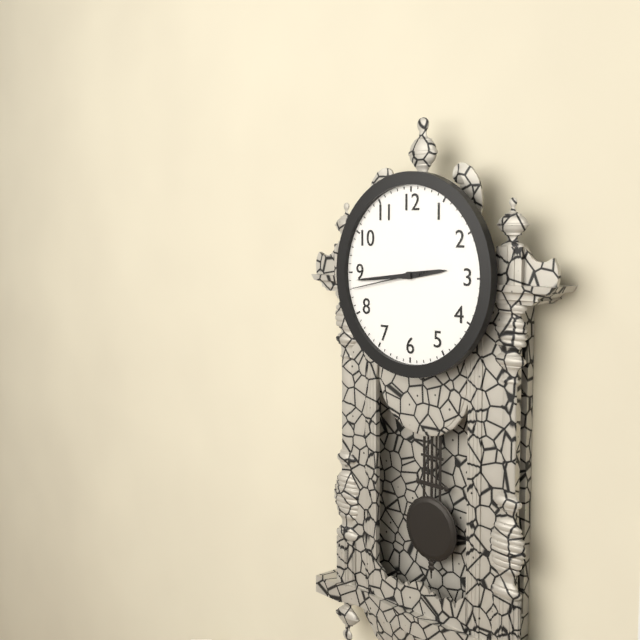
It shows h=2 m=44 s=43
